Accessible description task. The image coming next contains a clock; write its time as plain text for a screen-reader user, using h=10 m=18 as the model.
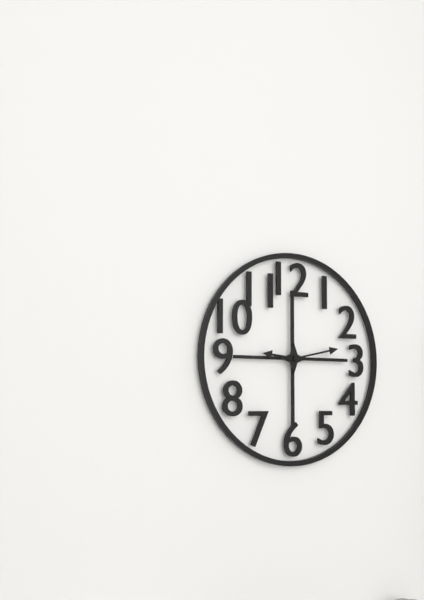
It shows h=9 m=13
